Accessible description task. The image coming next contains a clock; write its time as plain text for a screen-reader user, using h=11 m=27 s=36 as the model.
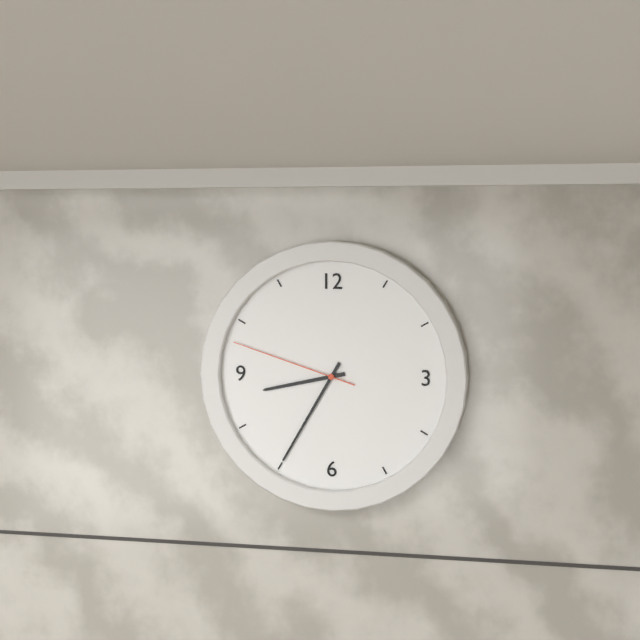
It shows h=8 m=35 s=48
